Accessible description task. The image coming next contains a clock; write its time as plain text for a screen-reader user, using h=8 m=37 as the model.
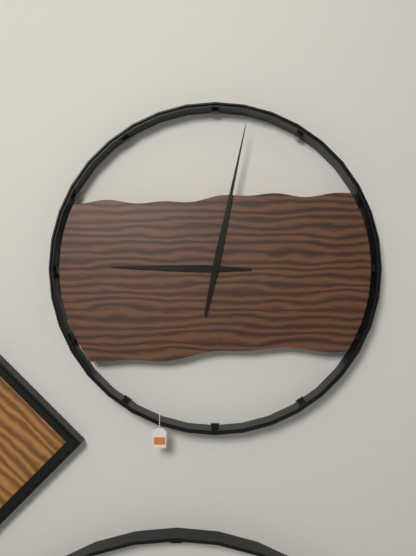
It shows h=9 m=2
